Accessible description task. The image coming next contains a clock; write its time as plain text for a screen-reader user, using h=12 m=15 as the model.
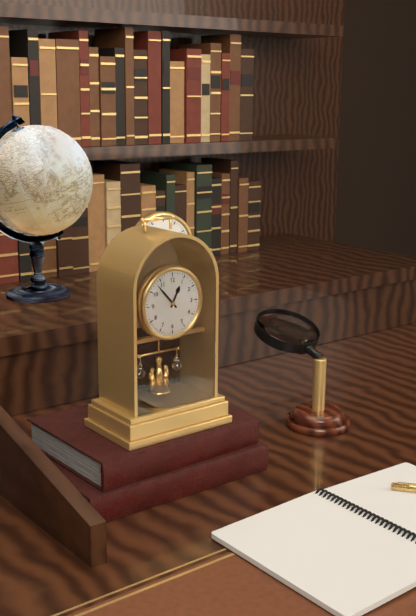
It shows h=12 m=53
